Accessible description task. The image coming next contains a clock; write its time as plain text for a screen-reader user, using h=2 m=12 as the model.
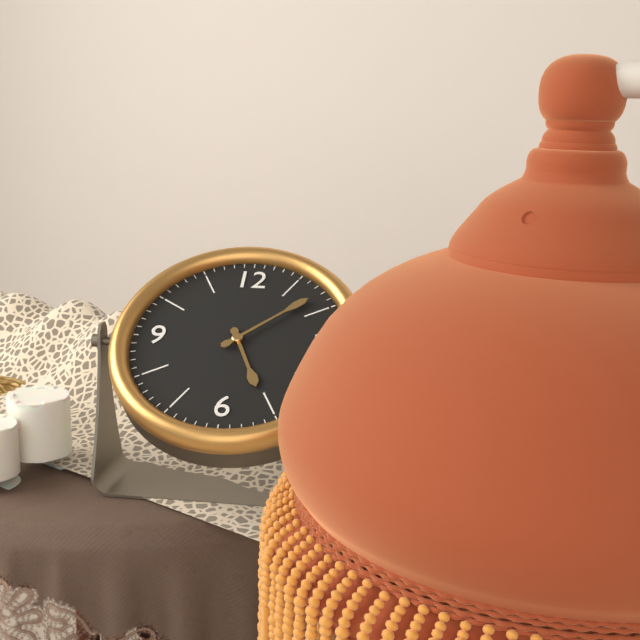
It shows h=5 m=8
